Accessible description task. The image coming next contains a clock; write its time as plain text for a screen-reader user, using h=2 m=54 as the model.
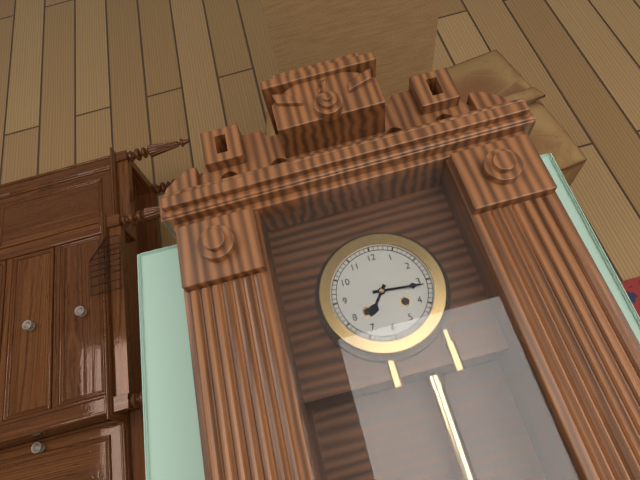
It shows h=7 m=16
